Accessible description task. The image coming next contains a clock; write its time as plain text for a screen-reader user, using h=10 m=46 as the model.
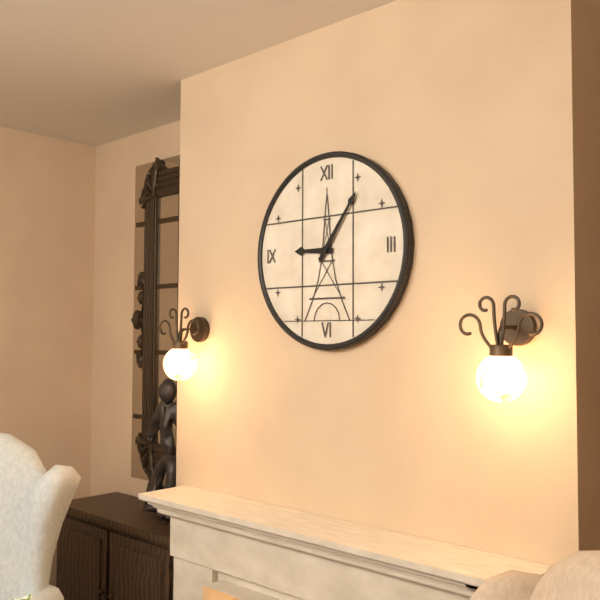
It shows h=9 m=6
